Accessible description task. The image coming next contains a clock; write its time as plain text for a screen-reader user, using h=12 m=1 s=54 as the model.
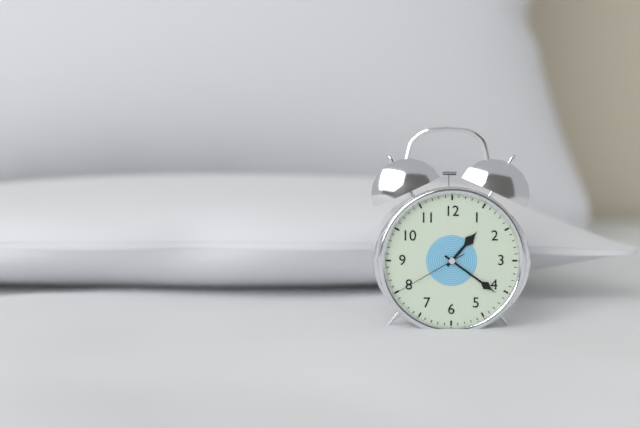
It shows h=1 m=21 s=40
